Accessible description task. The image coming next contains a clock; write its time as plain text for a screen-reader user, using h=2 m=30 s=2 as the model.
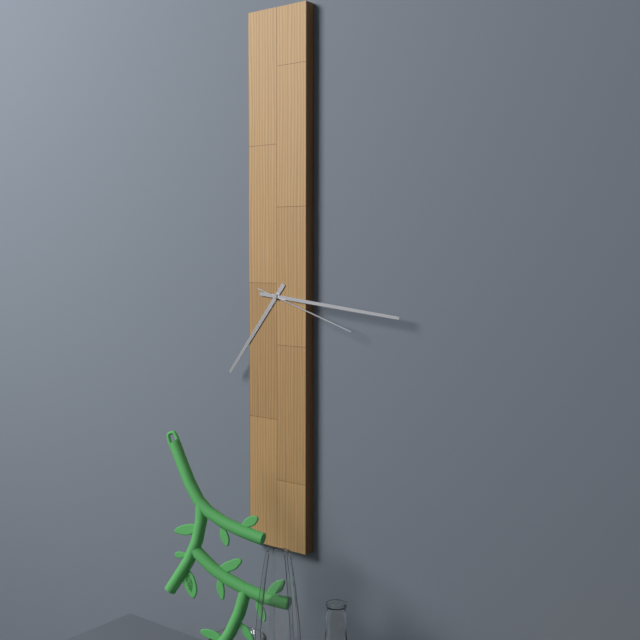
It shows h=7 m=16 s=18
